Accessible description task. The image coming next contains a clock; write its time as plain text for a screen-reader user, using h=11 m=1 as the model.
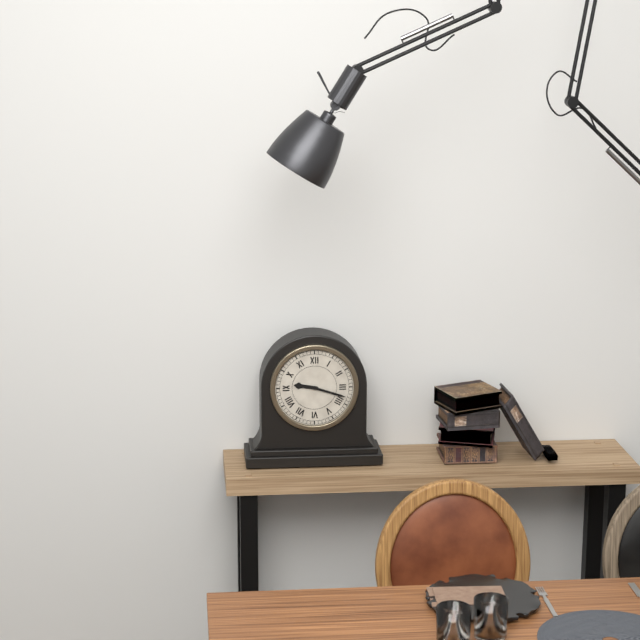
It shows h=9 m=18
